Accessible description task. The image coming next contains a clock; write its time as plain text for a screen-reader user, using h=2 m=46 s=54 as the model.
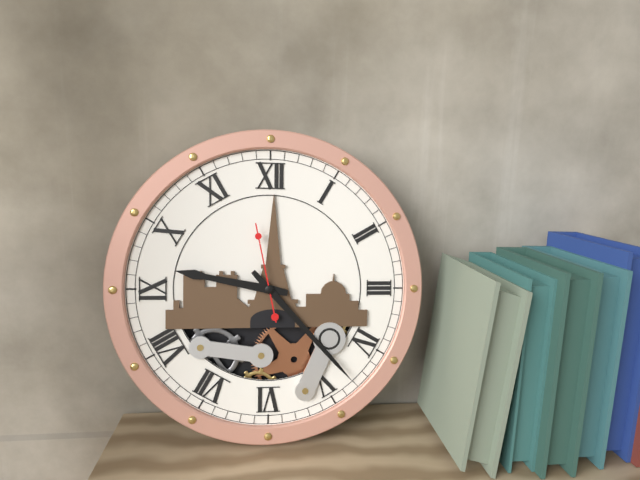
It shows h=9 m=23 s=58
